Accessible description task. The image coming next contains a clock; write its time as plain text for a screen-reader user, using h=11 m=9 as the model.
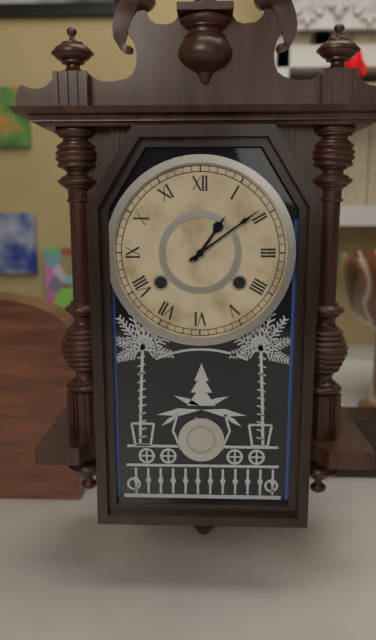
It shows h=1 m=9
